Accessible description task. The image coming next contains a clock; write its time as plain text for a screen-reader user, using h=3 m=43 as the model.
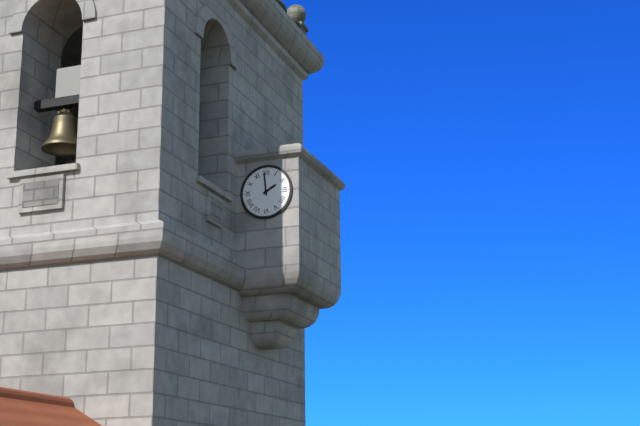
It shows h=1 m=59
